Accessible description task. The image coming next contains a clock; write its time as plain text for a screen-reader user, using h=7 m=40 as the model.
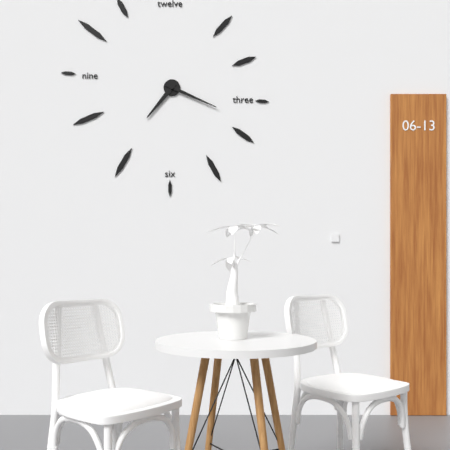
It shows h=7 m=19
